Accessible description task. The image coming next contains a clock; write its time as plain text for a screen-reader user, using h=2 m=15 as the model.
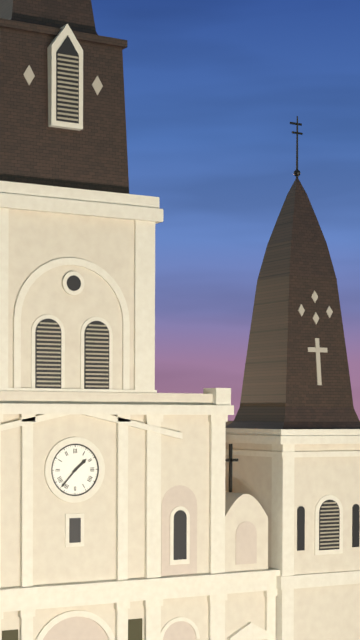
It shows h=1 m=37
